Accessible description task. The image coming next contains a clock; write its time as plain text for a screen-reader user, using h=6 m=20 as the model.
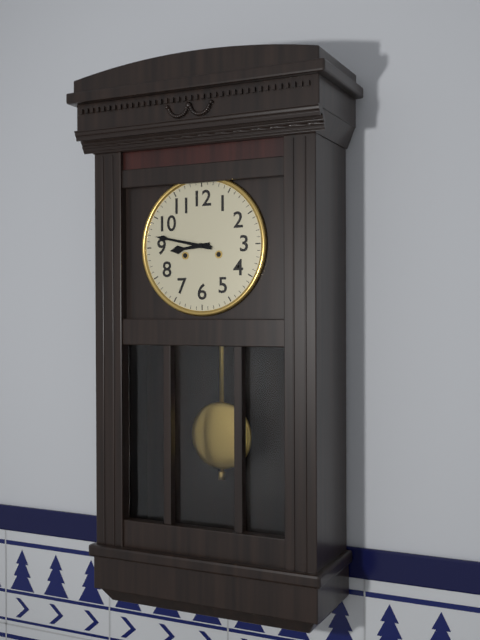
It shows h=8 m=47
